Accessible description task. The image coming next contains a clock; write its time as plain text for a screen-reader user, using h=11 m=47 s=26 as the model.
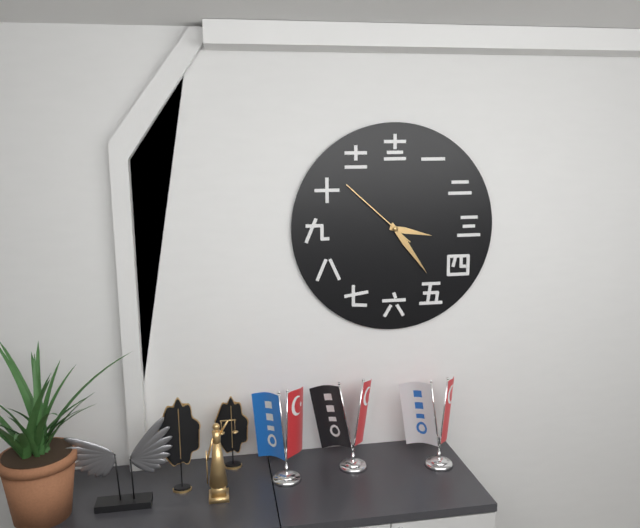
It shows h=3 m=24 s=52
